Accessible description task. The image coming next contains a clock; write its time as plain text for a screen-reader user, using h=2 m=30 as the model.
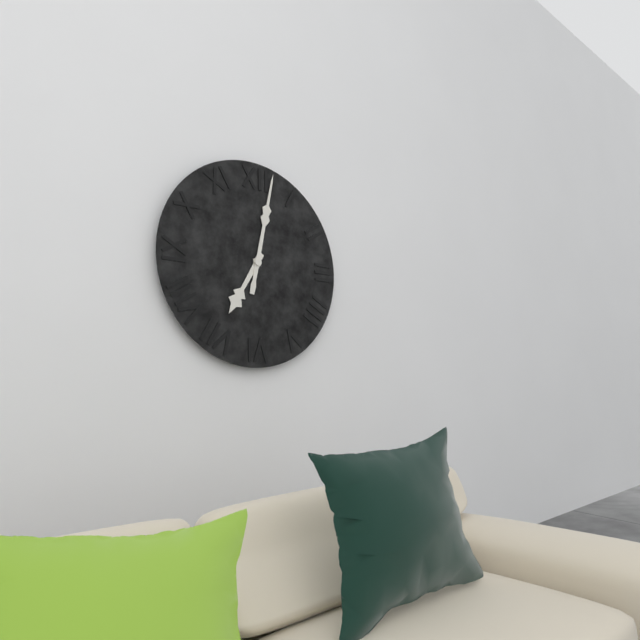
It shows h=7 m=2
